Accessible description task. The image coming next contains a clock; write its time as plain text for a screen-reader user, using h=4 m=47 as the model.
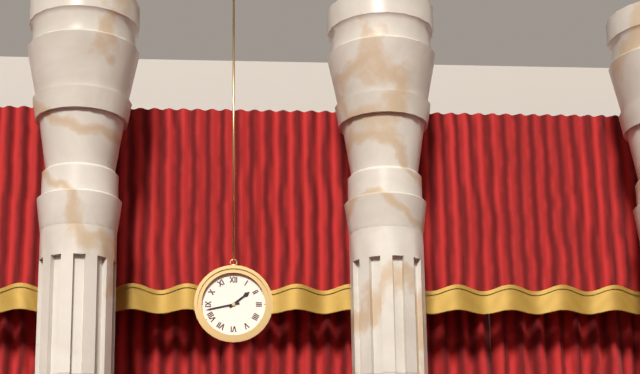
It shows h=1 m=43
